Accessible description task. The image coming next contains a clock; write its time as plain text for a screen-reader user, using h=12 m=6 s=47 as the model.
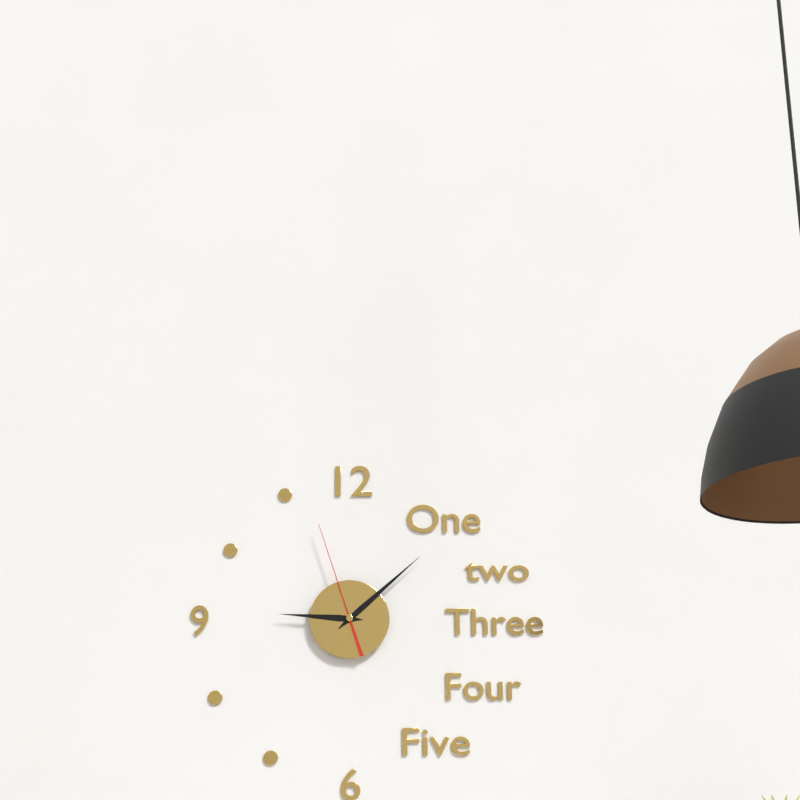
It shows h=9 m=8 s=57
